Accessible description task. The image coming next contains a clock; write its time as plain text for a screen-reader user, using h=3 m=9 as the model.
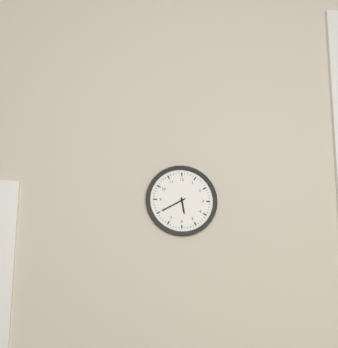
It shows h=5 m=40
